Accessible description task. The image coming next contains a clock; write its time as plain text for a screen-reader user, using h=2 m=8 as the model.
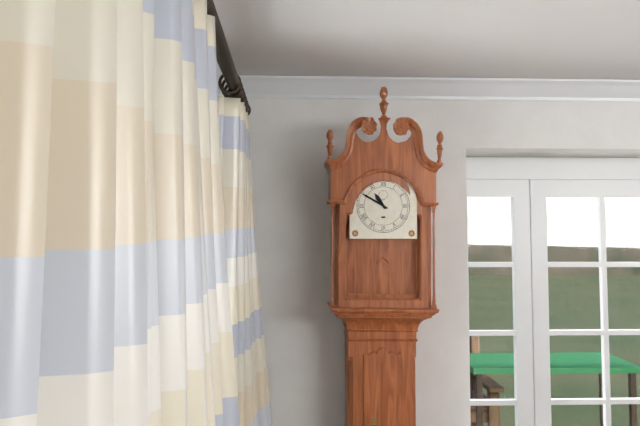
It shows h=10 m=50
